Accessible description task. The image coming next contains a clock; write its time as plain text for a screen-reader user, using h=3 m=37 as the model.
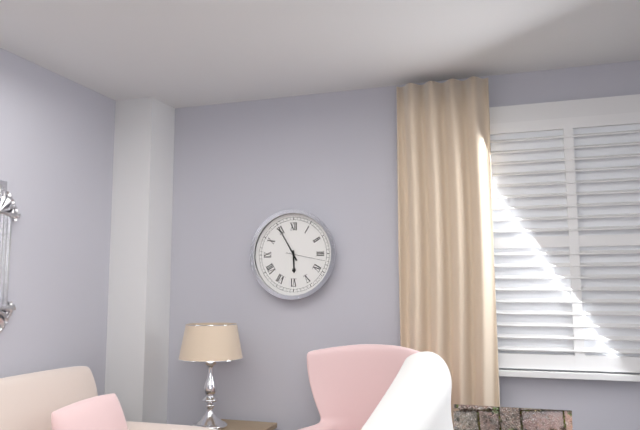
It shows h=5 m=55
